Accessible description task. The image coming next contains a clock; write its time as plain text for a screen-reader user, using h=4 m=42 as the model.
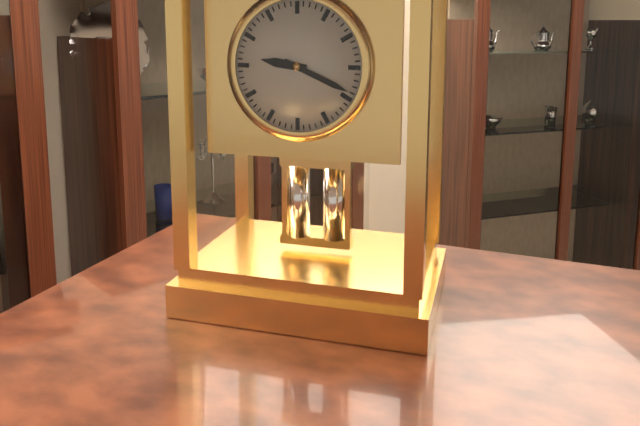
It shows h=9 m=19
